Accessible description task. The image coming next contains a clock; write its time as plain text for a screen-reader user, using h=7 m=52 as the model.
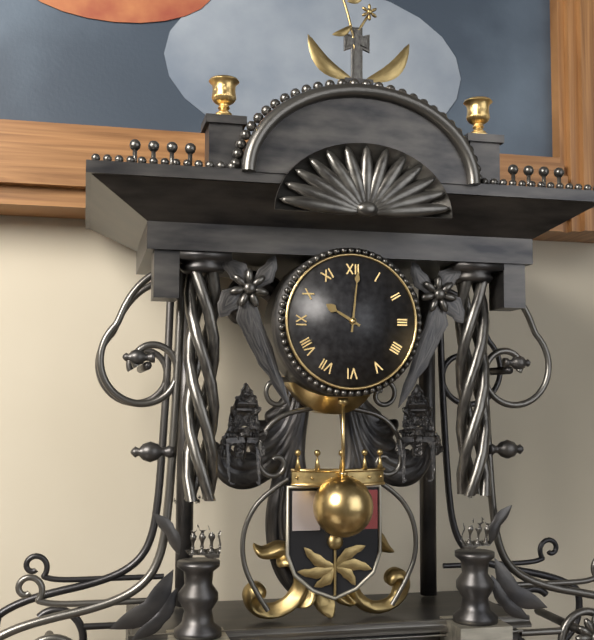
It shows h=10 m=1
